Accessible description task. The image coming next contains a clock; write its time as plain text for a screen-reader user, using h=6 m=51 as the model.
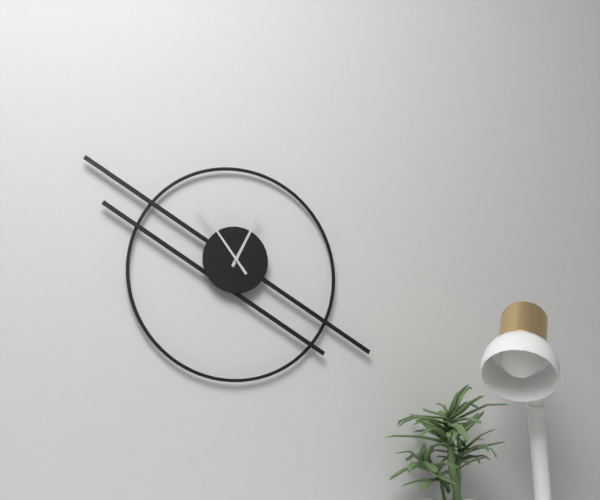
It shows h=12 m=54
